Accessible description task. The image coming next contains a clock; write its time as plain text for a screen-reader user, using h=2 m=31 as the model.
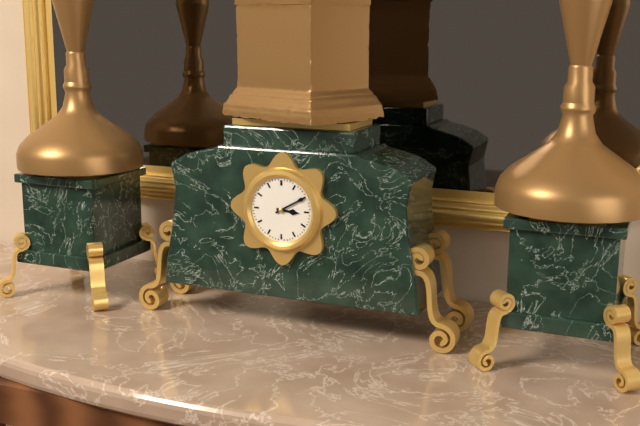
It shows h=3 m=10
